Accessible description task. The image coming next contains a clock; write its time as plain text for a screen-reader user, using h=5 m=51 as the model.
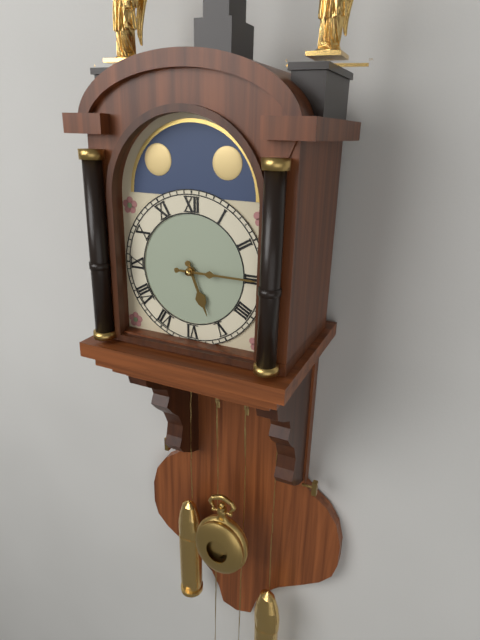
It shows h=5 m=15
